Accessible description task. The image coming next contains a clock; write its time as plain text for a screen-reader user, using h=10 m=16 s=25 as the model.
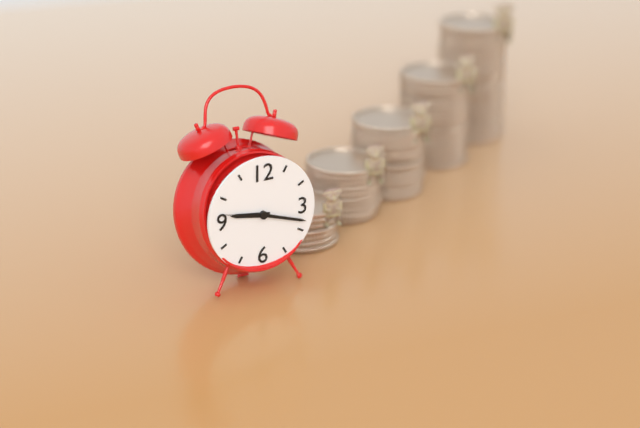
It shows h=9 m=18 s=47
